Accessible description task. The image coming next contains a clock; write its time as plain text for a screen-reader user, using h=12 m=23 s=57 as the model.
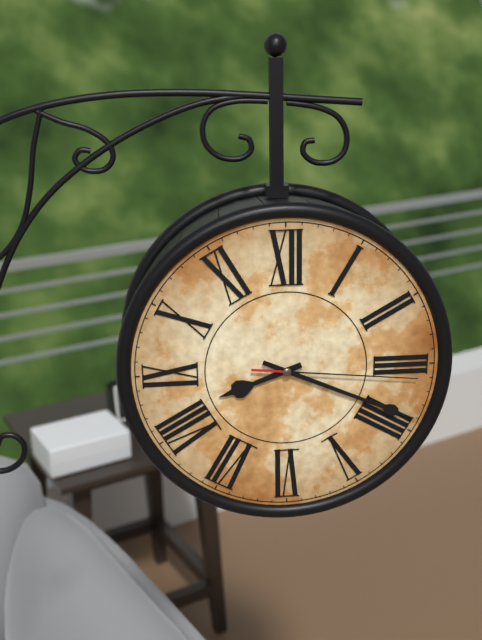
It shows h=8 m=19 s=16
